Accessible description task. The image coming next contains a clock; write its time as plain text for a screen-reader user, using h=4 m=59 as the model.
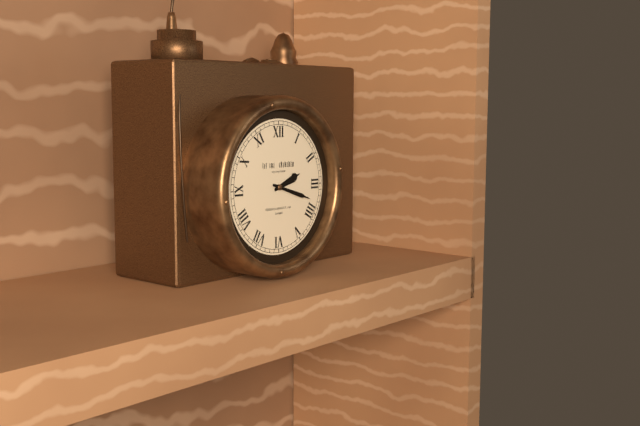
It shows h=2 m=18
